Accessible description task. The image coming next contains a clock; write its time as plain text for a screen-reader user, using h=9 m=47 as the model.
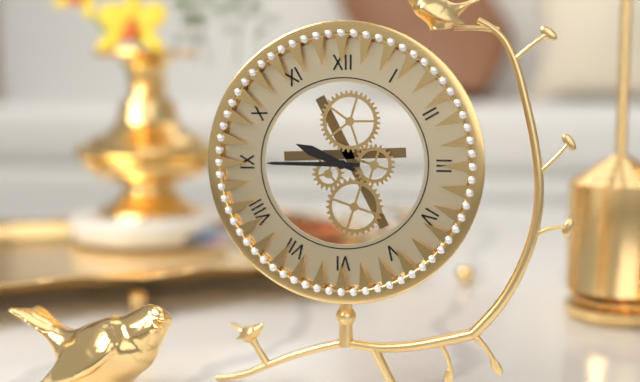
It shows h=9 m=45
